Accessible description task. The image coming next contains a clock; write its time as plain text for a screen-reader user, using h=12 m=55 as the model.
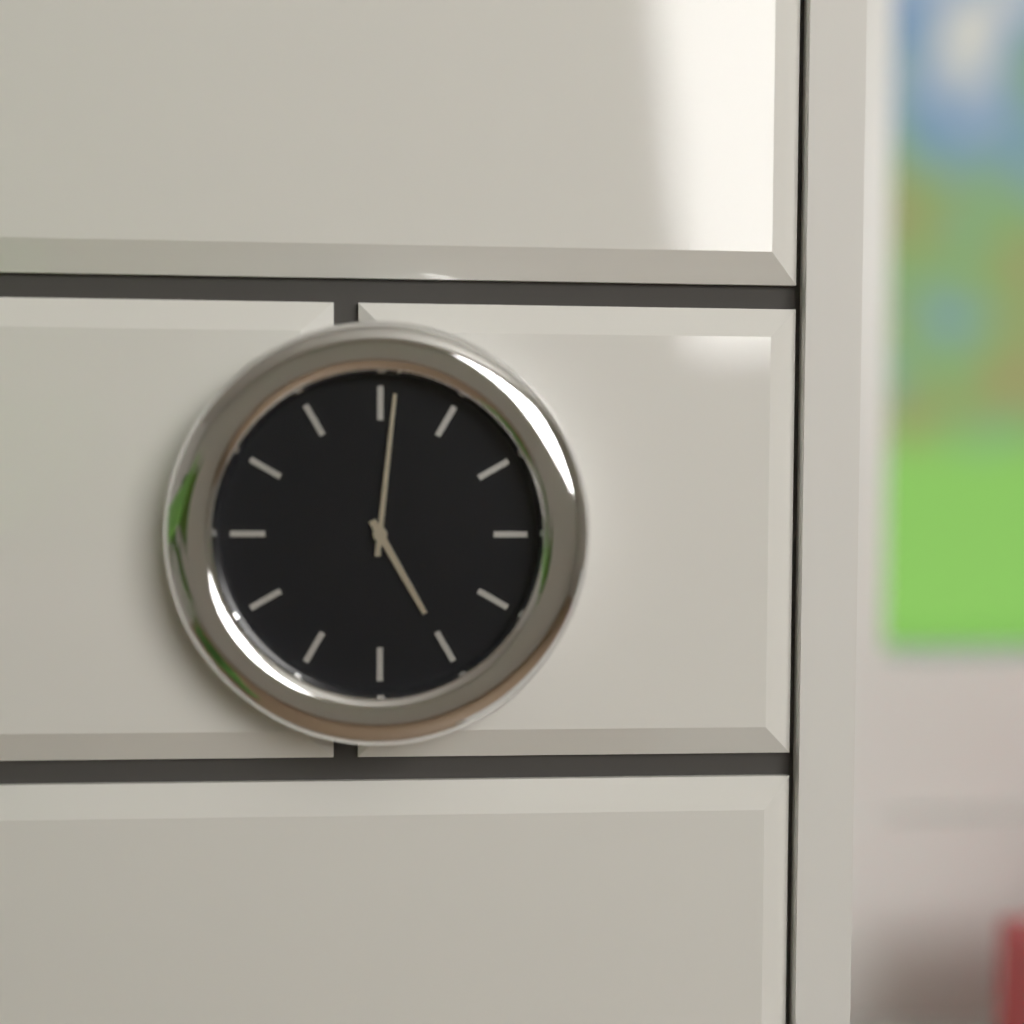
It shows h=5 m=1
